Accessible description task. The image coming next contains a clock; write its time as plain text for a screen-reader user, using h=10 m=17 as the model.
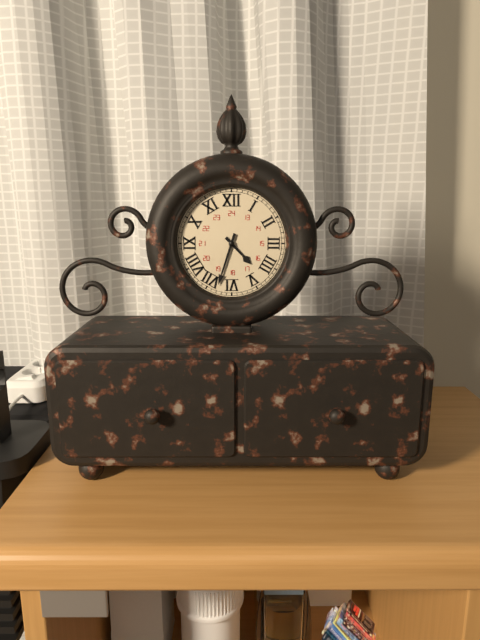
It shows h=4 m=33
